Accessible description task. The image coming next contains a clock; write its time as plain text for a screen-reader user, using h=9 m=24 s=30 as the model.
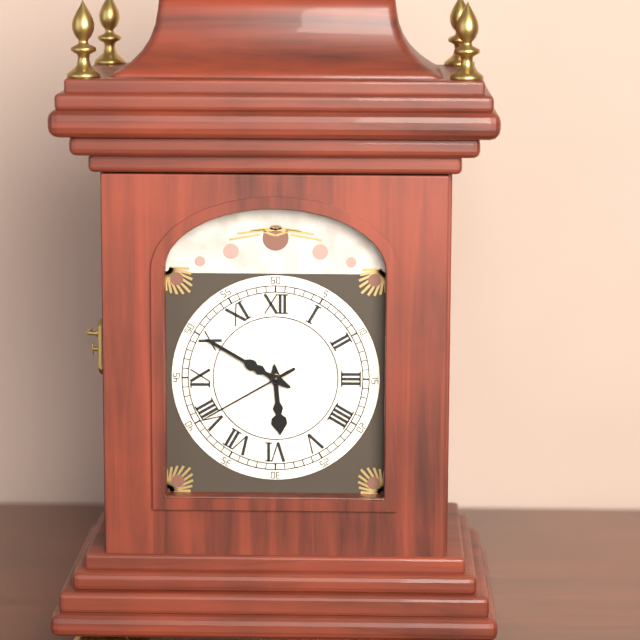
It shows h=5 m=50 s=40
